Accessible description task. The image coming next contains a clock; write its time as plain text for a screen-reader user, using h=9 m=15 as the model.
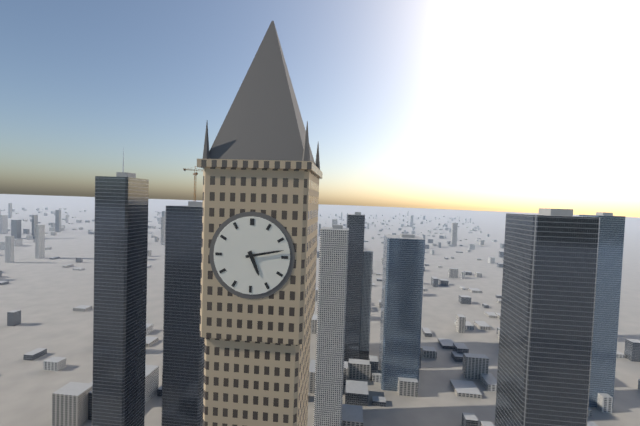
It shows h=5 m=13
